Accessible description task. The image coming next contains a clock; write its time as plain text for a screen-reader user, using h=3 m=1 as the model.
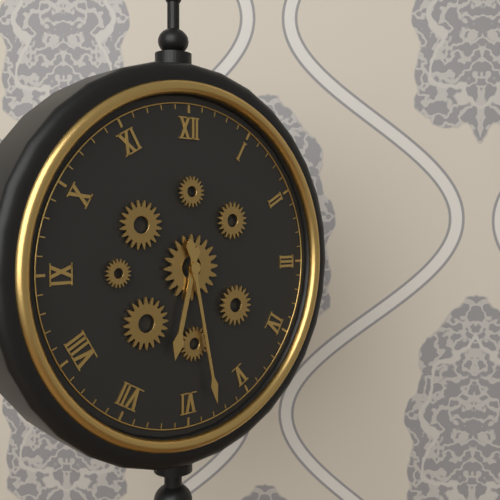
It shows h=6 m=28
